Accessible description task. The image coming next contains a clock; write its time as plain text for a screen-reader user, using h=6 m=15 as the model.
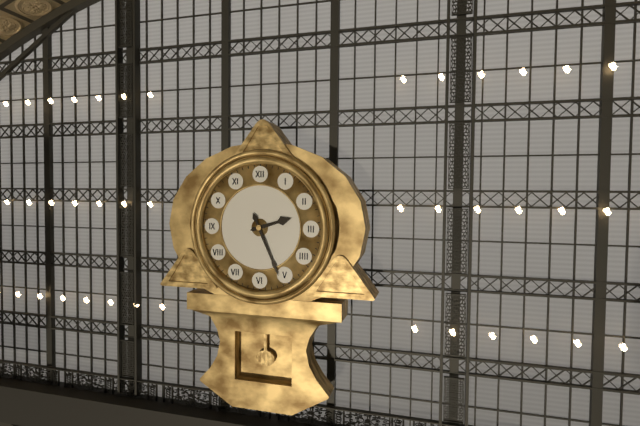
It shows h=2 m=26
